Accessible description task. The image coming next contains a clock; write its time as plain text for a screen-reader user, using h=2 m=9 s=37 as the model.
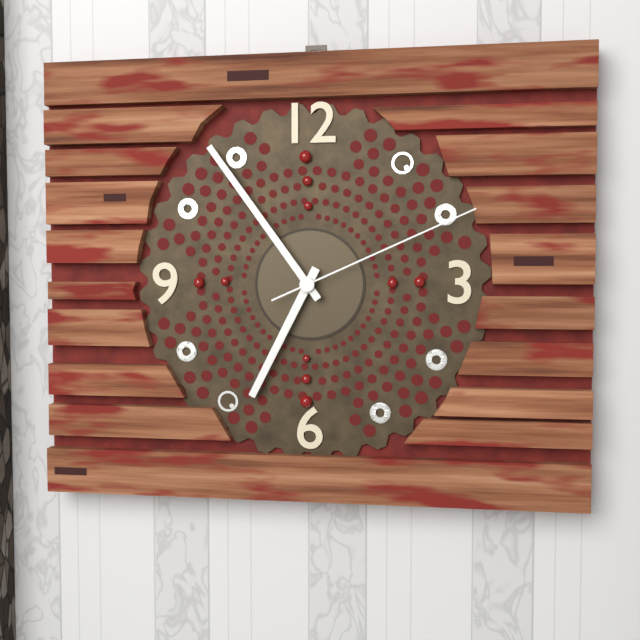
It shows h=6 m=54 s=11
